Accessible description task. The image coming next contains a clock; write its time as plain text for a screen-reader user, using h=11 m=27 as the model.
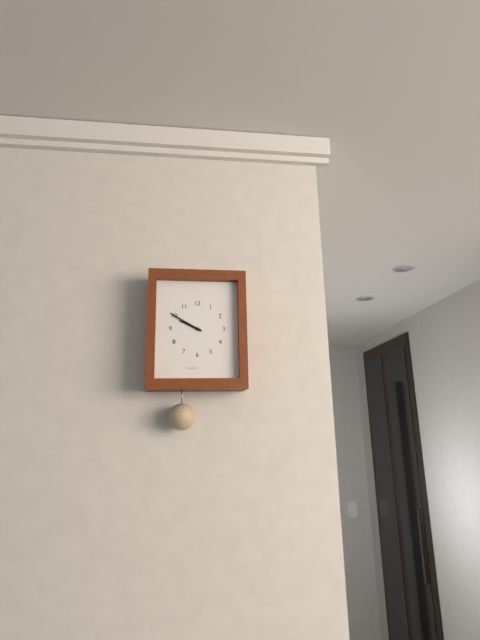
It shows h=9 m=50
